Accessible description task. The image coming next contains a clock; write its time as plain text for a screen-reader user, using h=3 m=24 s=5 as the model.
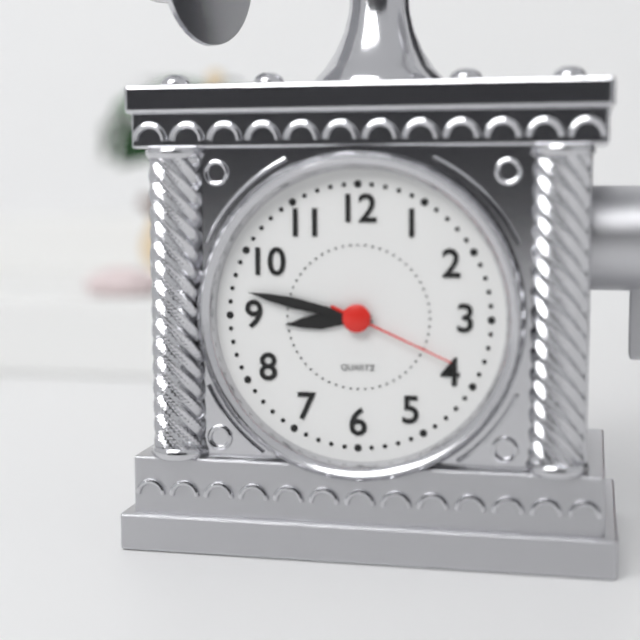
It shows h=8 m=47 s=19
